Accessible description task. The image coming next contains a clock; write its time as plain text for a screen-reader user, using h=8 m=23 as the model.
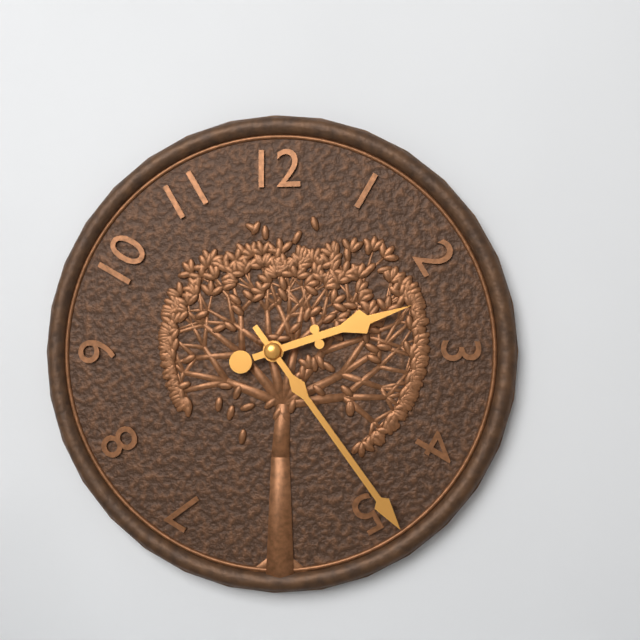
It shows h=2 m=24
